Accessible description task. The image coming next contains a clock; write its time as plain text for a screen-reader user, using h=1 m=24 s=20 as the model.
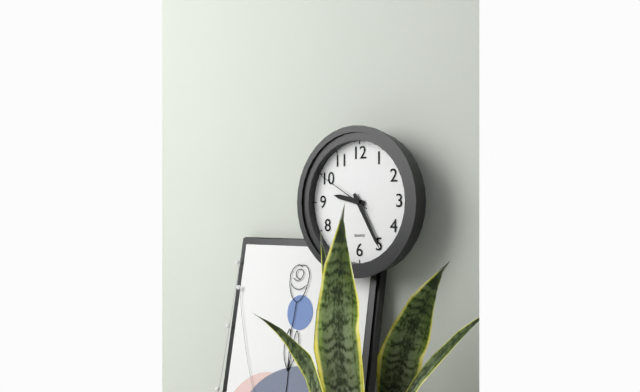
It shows h=9 m=25 s=50
